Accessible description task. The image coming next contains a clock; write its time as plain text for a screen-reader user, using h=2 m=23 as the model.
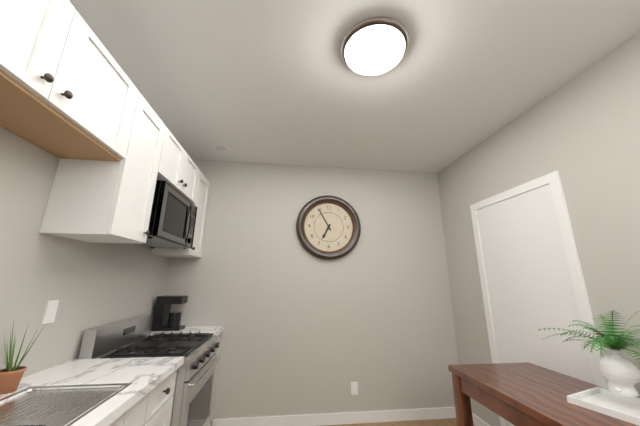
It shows h=6 m=55
